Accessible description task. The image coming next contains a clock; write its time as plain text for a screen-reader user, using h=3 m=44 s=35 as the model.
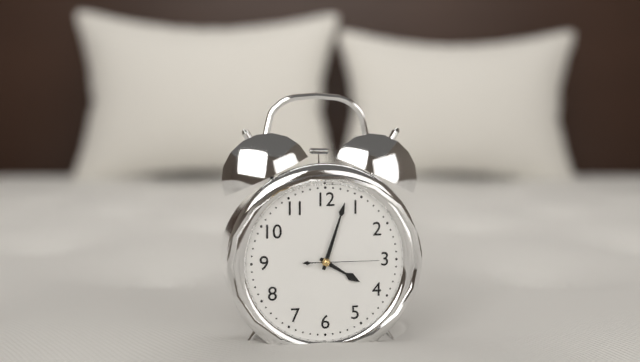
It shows h=4 m=3 s=15
